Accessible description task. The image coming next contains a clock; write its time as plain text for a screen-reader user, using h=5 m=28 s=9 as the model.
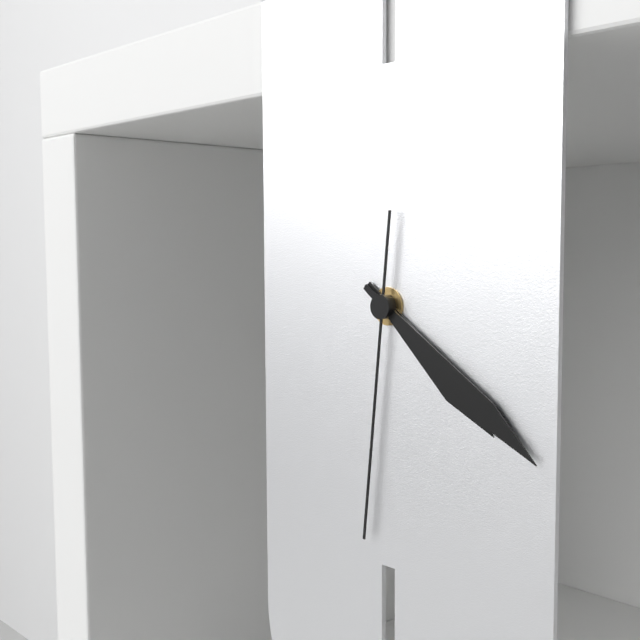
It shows h=4 m=21 s=31
